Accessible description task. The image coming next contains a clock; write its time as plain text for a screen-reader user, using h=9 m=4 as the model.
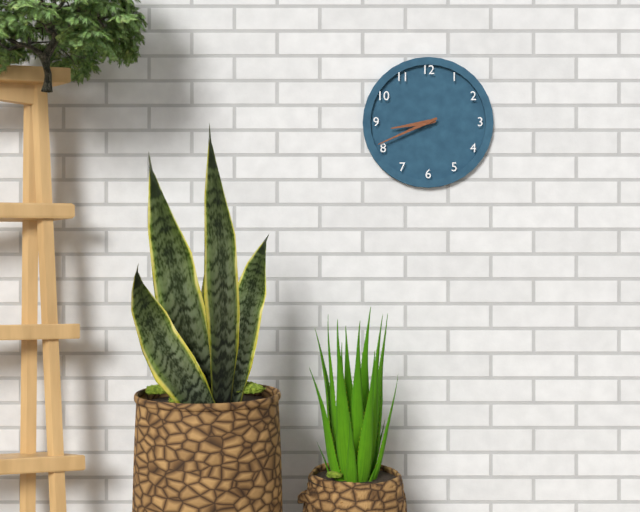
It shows h=8 m=41
